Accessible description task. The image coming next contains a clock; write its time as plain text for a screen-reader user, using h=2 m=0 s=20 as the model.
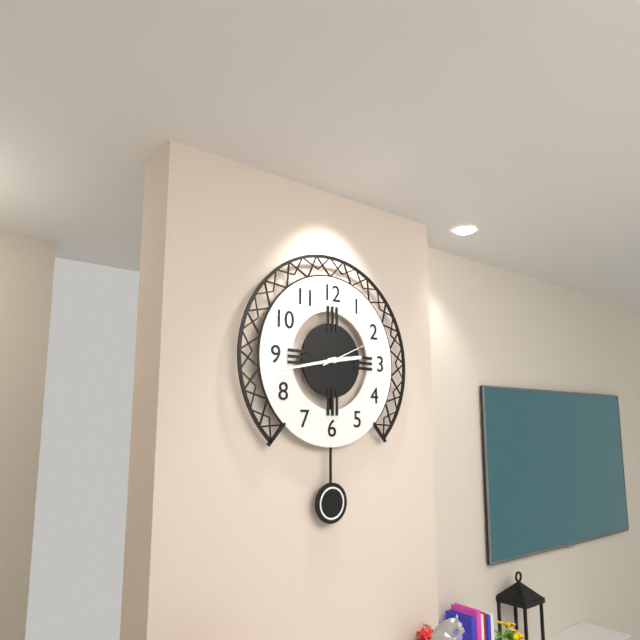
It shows h=2 m=43 s=11
